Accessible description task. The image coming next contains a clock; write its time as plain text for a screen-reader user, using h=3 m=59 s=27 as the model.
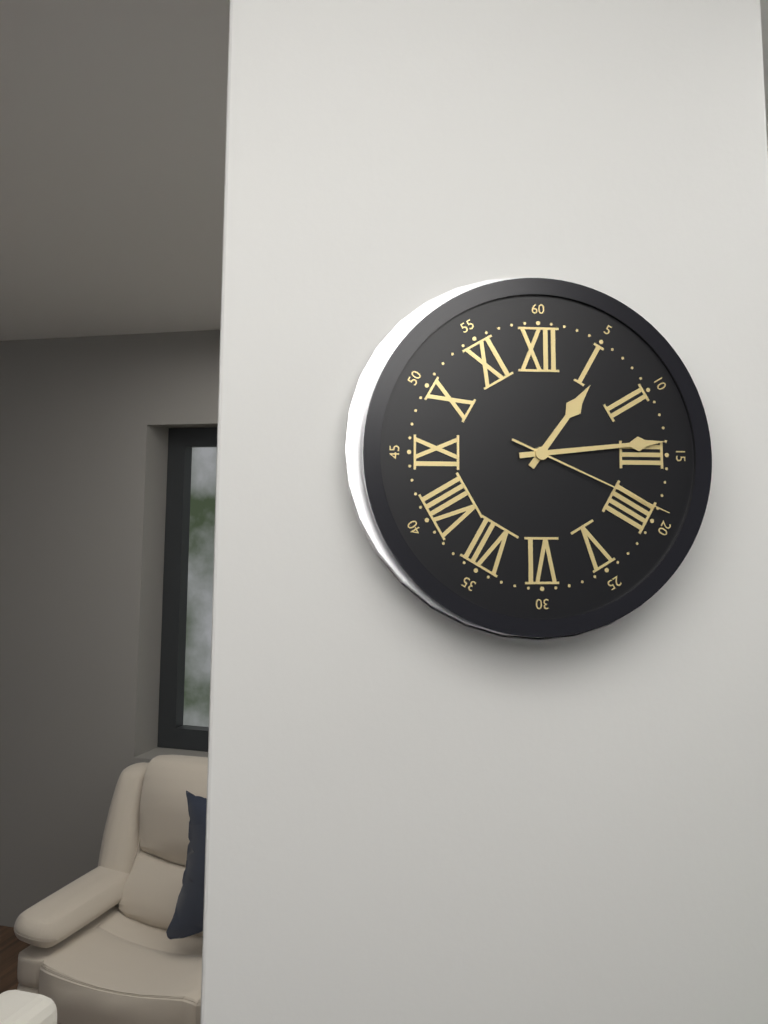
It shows h=1 m=14 s=19
